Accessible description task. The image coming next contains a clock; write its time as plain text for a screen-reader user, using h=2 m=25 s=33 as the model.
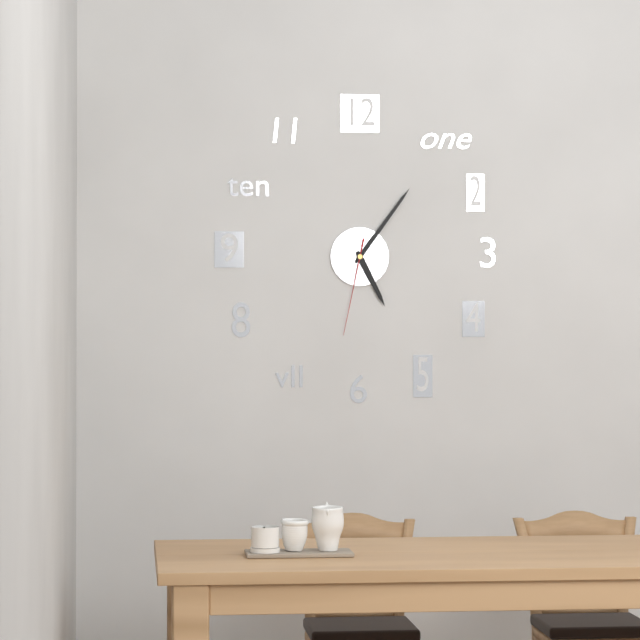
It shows h=5 m=6 s=32
